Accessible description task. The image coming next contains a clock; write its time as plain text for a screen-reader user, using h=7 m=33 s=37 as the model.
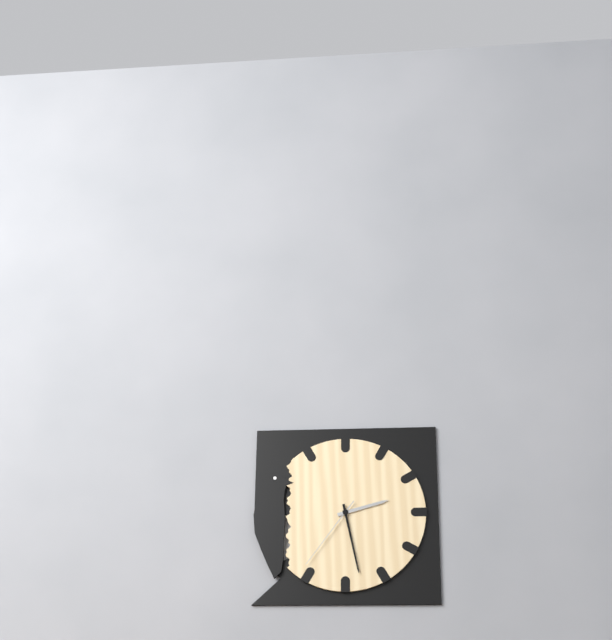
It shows h=2 m=28 s=36
